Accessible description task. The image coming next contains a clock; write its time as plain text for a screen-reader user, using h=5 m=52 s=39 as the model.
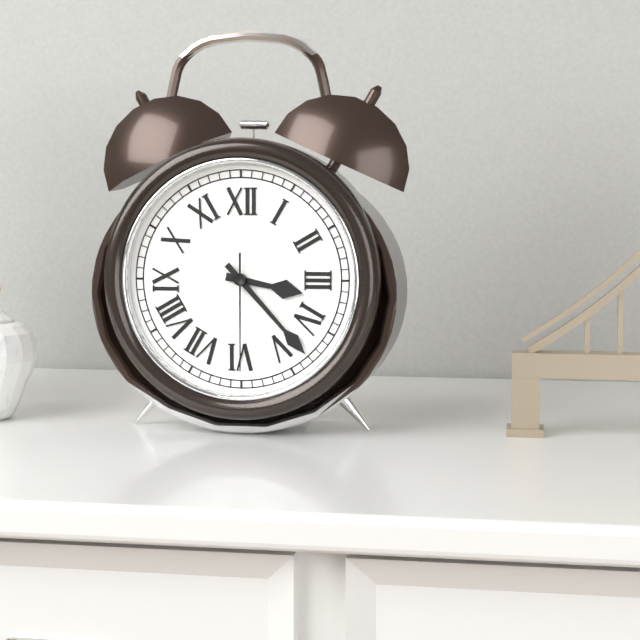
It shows h=3 m=23 s=30
